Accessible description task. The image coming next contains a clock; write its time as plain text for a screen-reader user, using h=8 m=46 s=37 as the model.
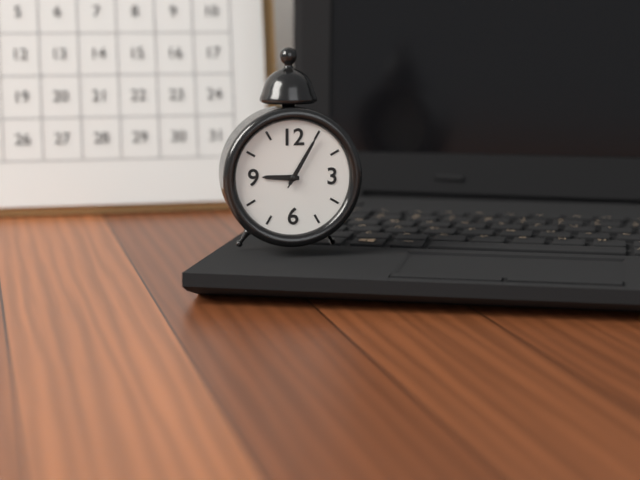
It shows h=9 m=5 s=5
